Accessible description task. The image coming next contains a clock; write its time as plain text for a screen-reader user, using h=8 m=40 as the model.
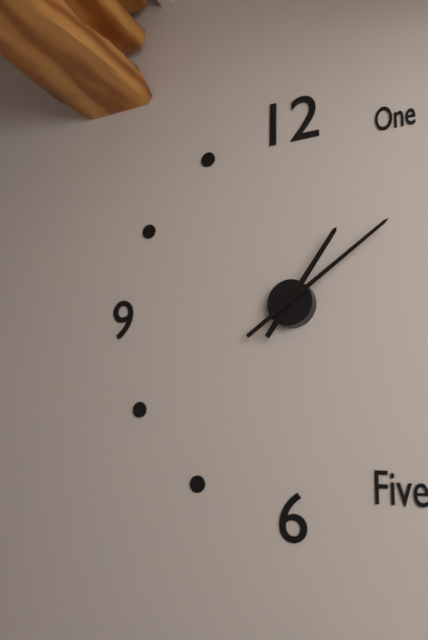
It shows h=1 m=9
